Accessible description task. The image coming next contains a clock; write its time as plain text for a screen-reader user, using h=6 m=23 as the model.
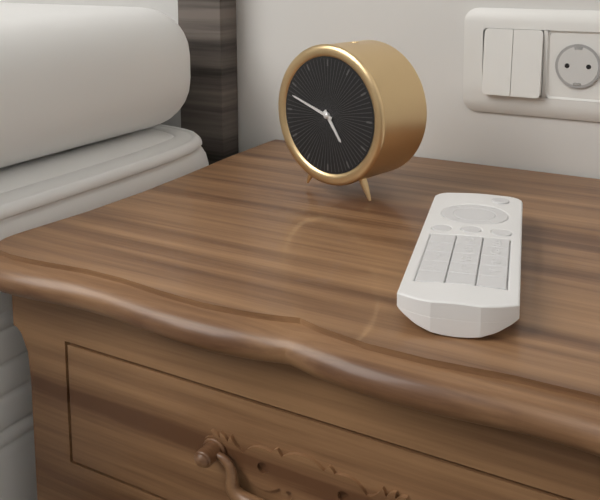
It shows h=4 m=48
